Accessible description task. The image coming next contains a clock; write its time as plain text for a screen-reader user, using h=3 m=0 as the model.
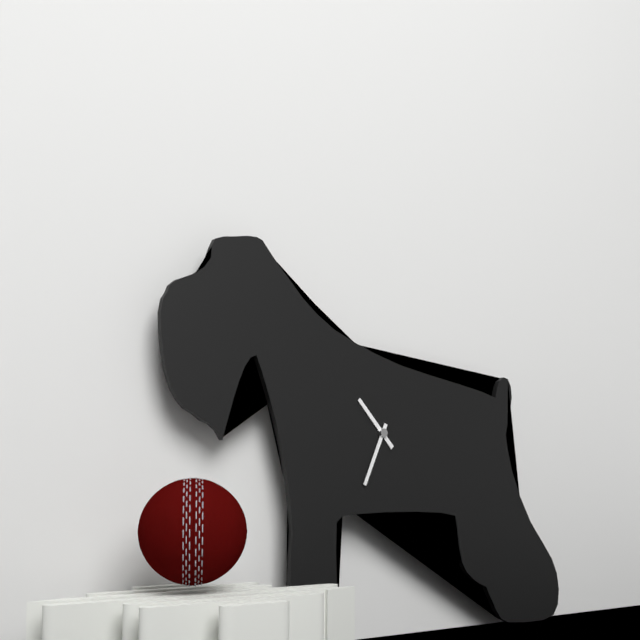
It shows h=10 m=34
